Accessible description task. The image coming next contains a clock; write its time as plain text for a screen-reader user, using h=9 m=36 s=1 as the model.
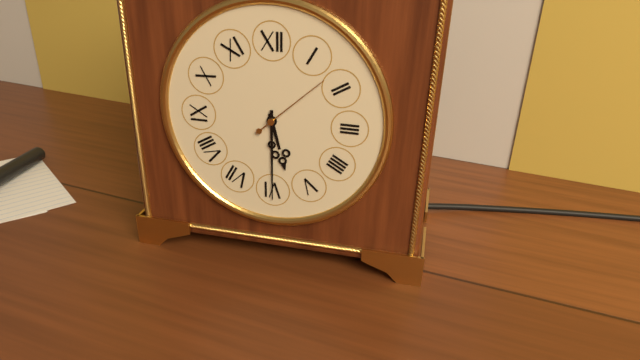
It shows h=5 m=30 s=8
